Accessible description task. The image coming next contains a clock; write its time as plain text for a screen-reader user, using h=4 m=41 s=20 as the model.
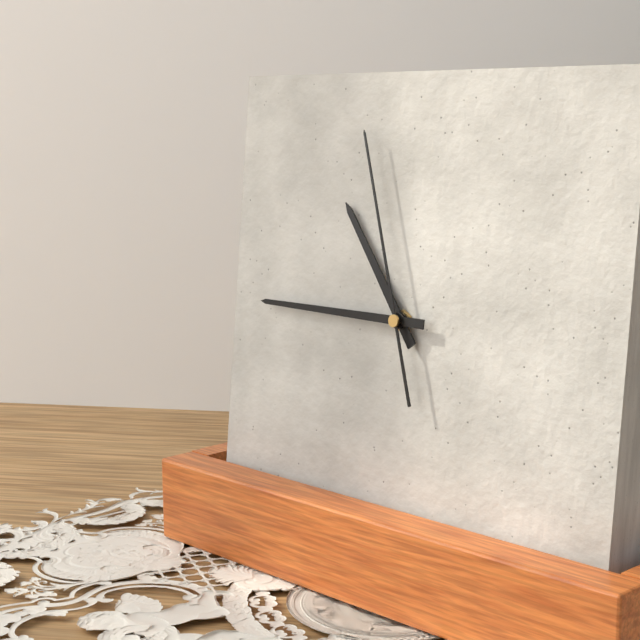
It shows h=10 m=45 s=57
